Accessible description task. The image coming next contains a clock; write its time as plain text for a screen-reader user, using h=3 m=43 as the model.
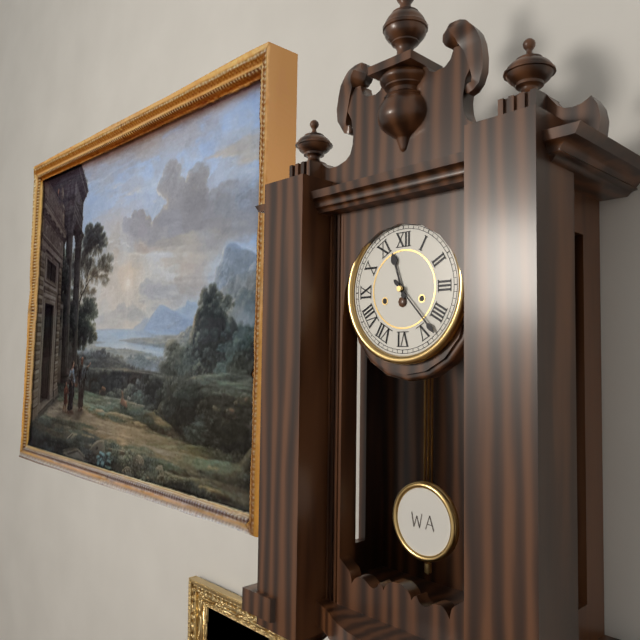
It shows h=11 m=23
